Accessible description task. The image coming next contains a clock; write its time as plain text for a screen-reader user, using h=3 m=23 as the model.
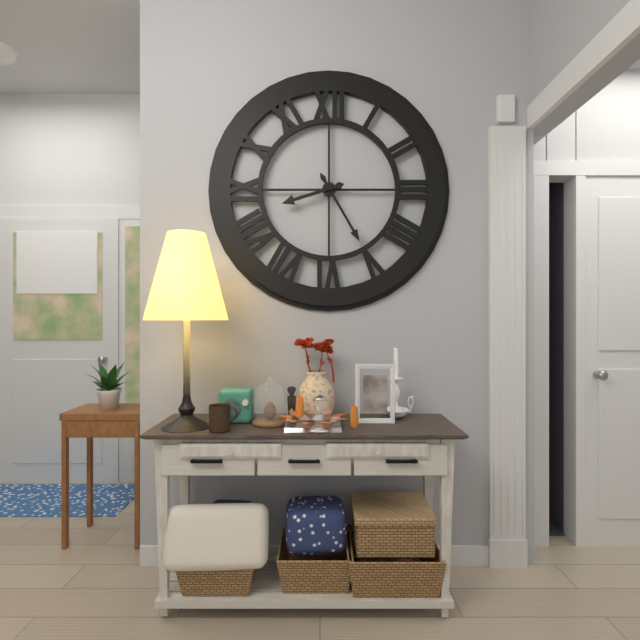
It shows h=8 m=25
